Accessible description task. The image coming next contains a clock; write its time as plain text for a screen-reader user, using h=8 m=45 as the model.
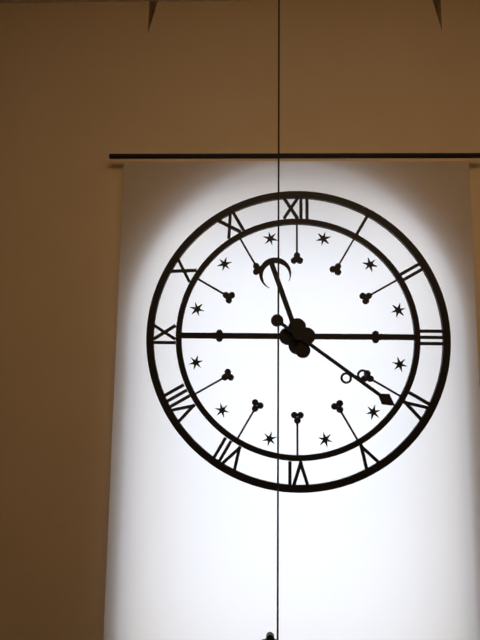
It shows h=11 m=21
